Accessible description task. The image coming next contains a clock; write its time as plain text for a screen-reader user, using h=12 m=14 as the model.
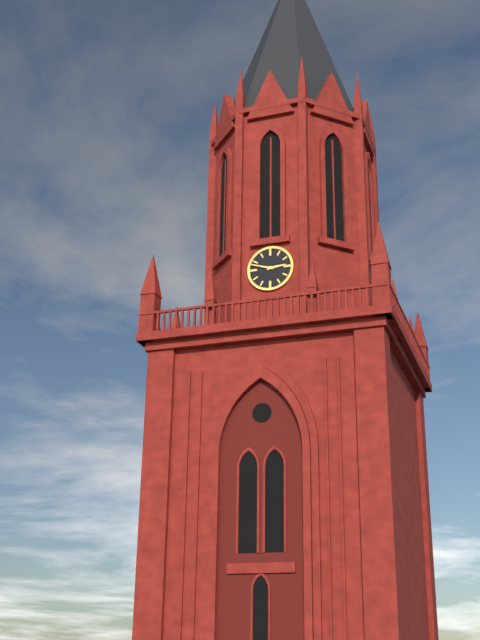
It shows h=2 m=48
